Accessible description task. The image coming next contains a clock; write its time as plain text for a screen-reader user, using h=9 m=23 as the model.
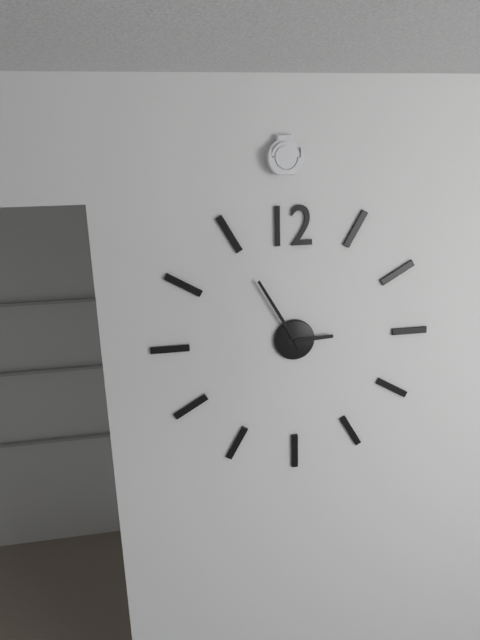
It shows h=2 m=55
